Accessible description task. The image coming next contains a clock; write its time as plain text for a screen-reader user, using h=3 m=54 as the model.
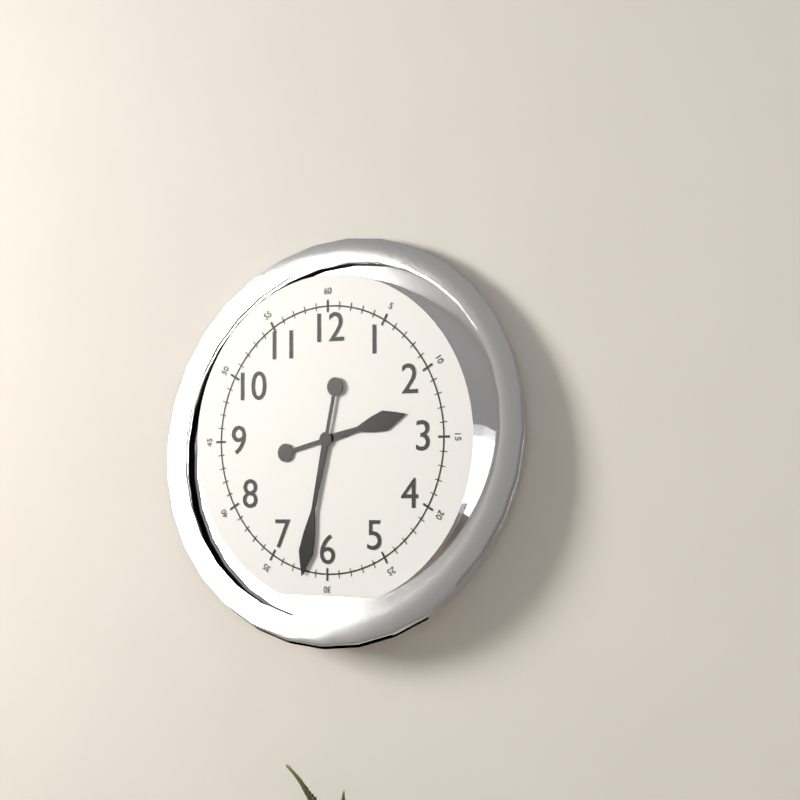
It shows h=2 m=32
